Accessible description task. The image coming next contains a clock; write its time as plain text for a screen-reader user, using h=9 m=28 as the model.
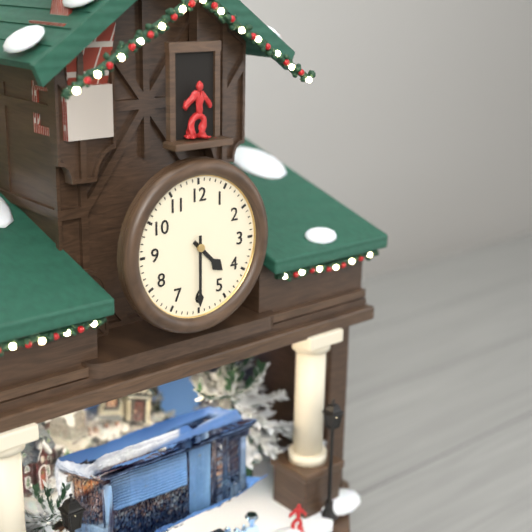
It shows h=4 m=30
